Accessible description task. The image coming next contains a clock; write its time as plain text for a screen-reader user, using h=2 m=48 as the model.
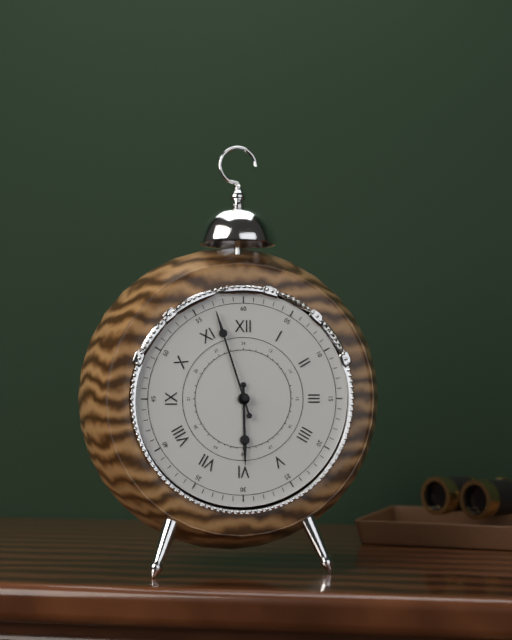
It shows h=5 m=57
